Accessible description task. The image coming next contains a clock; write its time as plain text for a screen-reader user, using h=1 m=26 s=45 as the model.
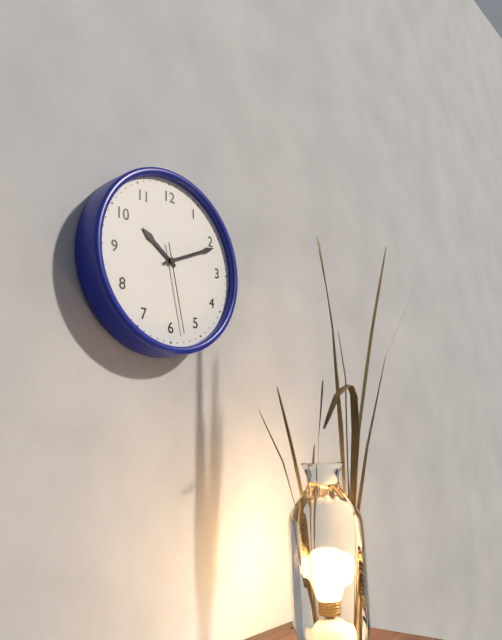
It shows h=10 m=11 s=28
